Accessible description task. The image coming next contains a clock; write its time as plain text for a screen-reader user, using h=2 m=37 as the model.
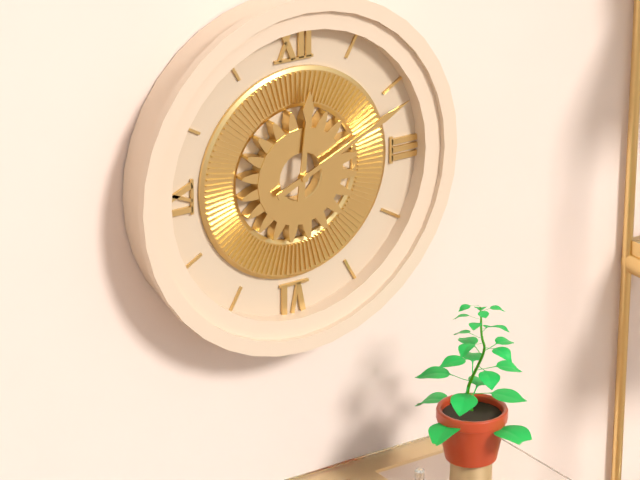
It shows h=12 m=11
